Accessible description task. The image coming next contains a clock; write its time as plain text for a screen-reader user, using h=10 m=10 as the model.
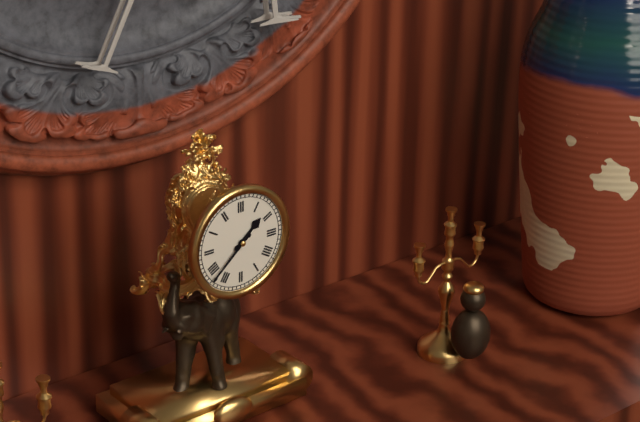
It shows h=1 m=38
